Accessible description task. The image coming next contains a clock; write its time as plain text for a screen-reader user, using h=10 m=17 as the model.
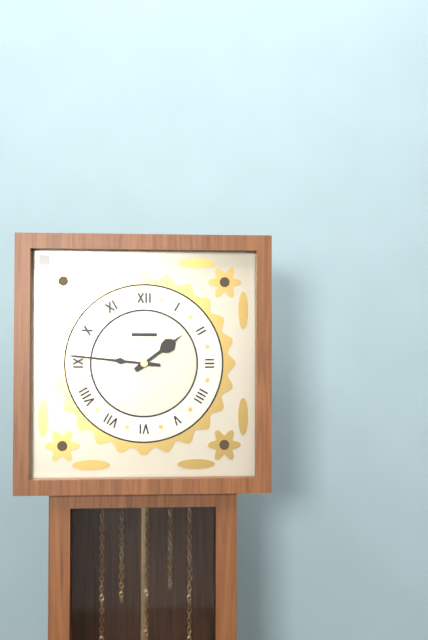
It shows h=1 m=46
